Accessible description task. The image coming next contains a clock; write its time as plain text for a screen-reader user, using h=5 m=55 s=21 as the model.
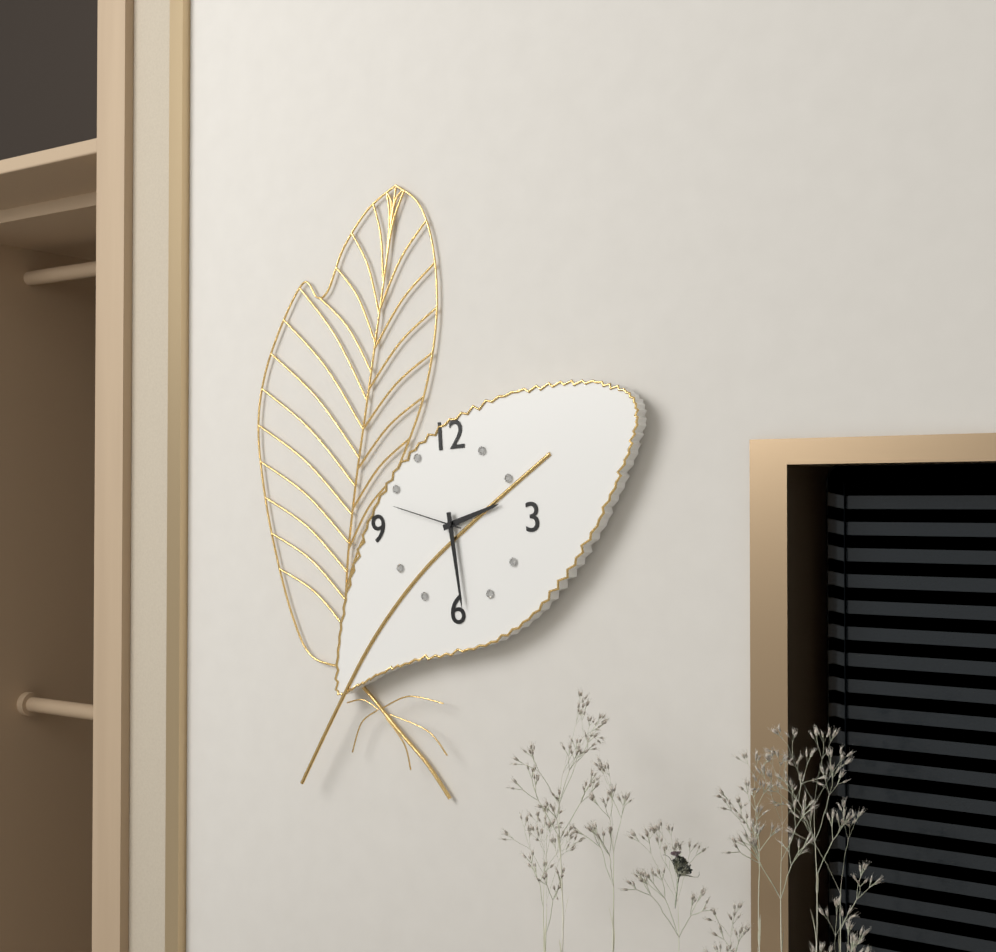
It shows h=2 m=29 s=48
